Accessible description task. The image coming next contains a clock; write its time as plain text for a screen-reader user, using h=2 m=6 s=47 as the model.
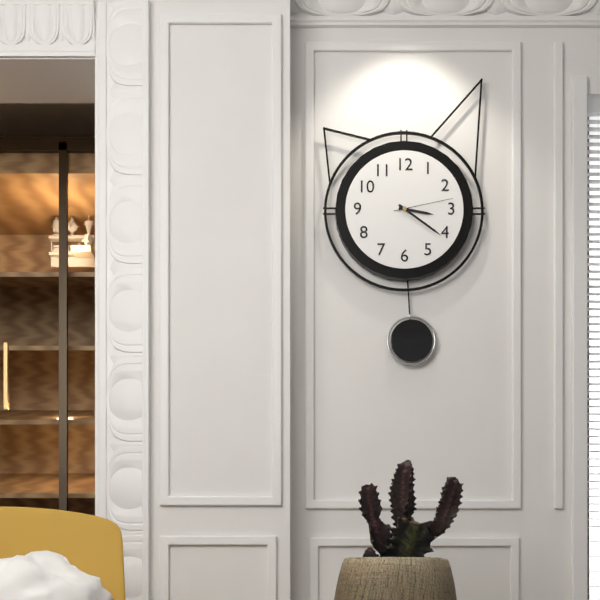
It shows h=3 m=21 s=13
